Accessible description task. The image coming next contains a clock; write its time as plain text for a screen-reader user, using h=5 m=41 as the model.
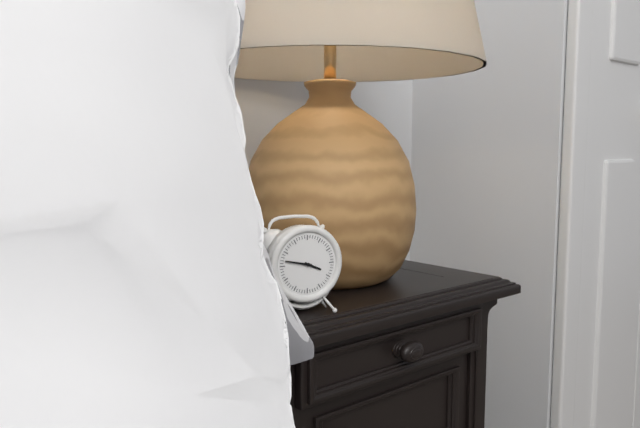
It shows h=3 m=47
